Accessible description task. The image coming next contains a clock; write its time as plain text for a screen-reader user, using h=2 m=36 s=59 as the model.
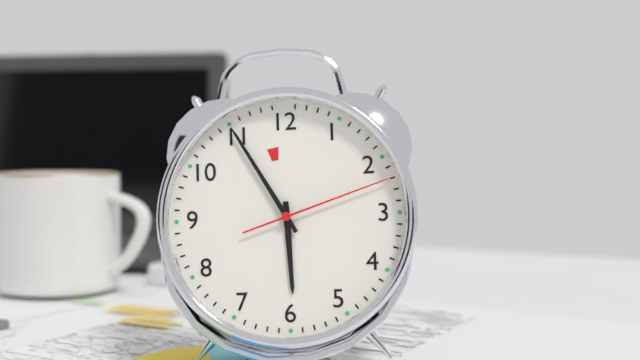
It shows h=5 m=55 s=12
